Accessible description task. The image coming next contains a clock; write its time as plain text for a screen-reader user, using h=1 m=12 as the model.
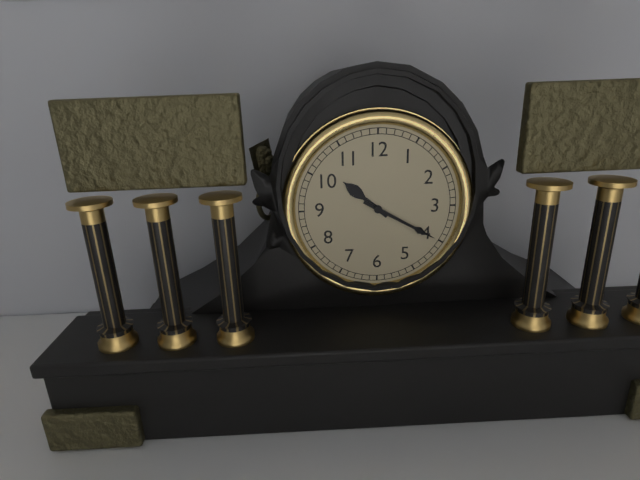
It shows h=10 m=20
